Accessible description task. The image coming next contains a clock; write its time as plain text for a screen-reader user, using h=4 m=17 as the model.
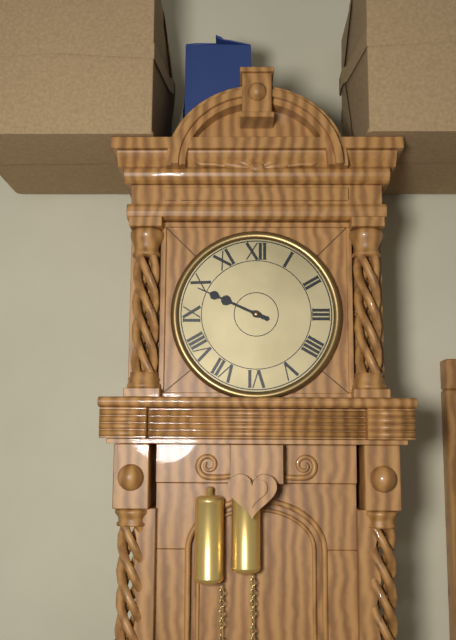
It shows h=9 m=49
